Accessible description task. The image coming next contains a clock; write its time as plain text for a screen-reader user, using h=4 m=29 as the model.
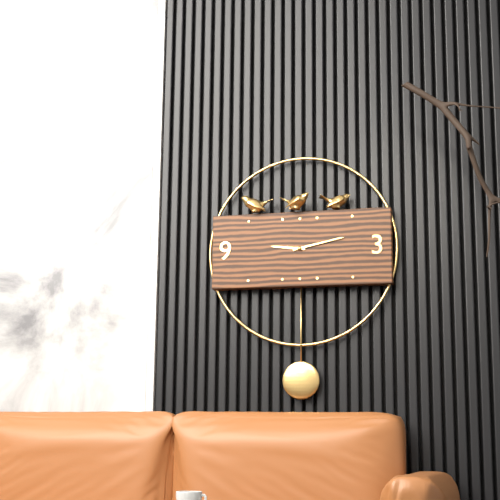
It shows h=9 m=13
